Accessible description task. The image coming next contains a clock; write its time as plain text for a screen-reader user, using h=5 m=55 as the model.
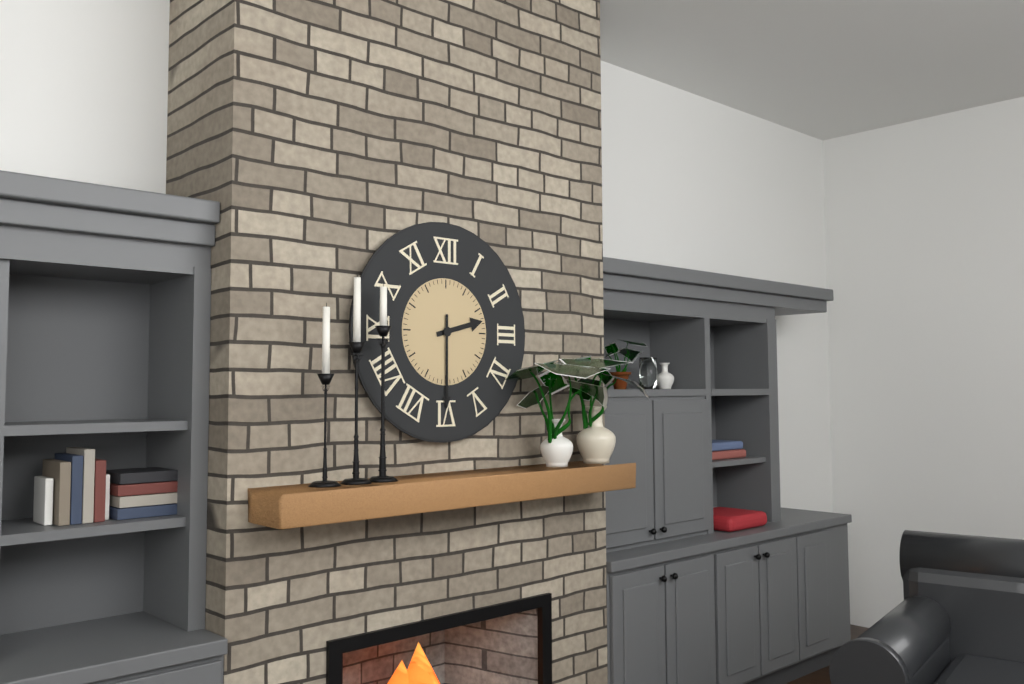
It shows h=2 m=30
